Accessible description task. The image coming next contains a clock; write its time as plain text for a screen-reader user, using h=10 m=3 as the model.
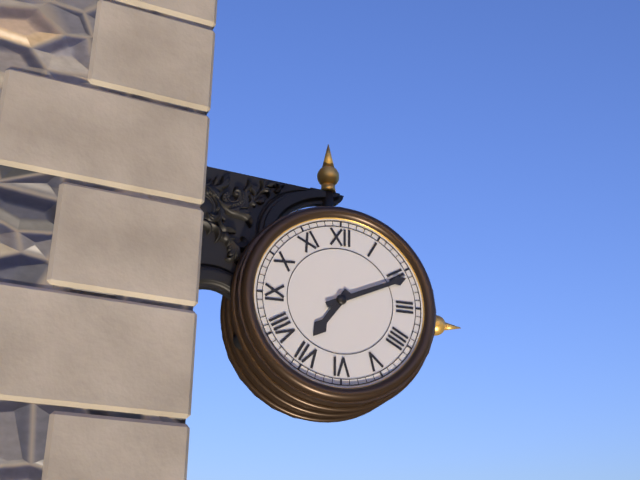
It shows h=7 m=11
